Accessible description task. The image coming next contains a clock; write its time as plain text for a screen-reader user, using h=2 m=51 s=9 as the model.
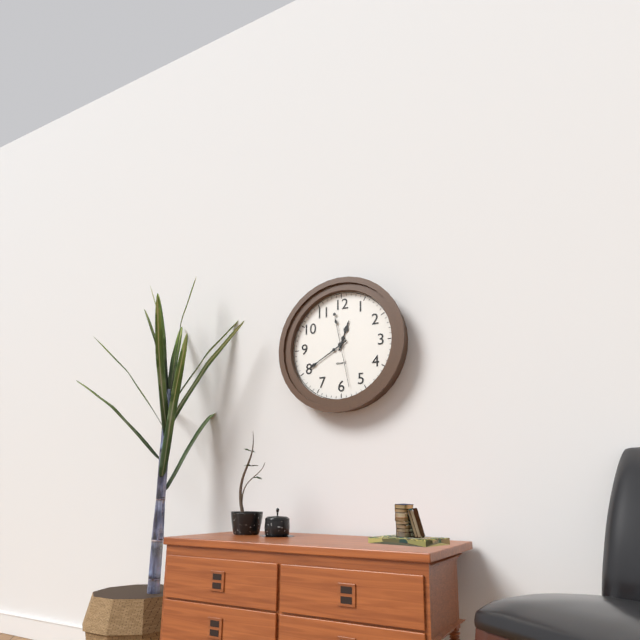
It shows h=12 m=40 s=28
